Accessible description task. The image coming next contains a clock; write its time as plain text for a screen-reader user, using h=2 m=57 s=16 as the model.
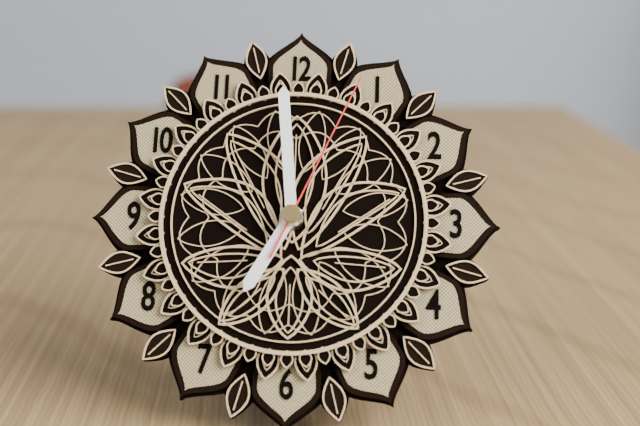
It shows h=6 m=59 s=4
